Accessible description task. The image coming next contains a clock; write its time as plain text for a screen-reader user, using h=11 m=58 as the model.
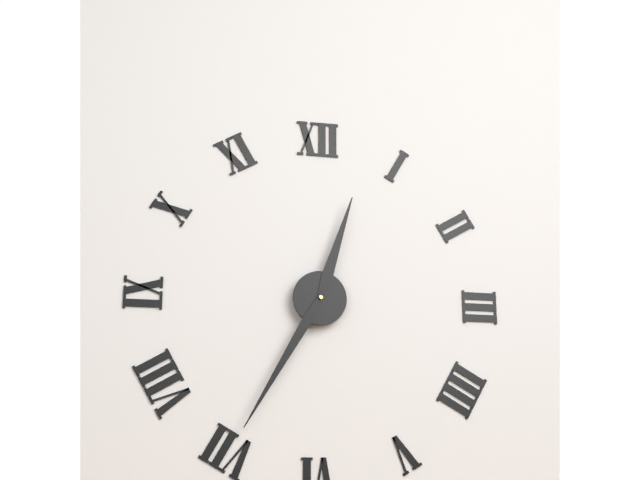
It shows h=12 m=35
